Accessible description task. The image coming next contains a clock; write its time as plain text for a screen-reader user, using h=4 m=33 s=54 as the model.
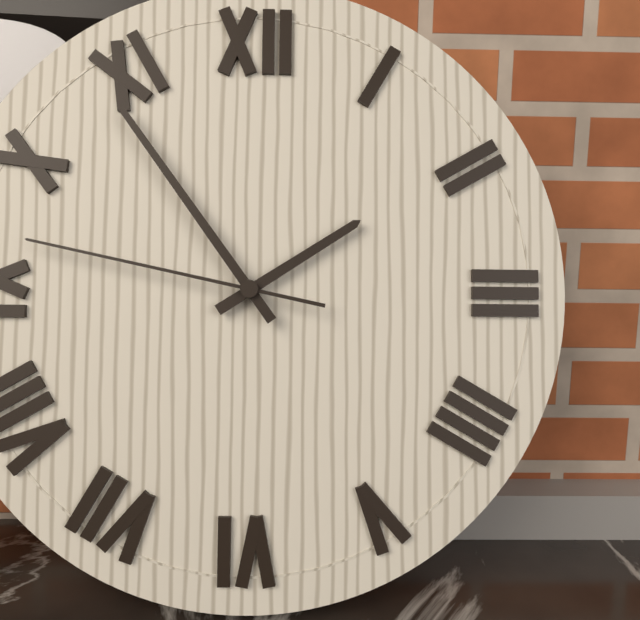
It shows h=1 m=54 s=47
